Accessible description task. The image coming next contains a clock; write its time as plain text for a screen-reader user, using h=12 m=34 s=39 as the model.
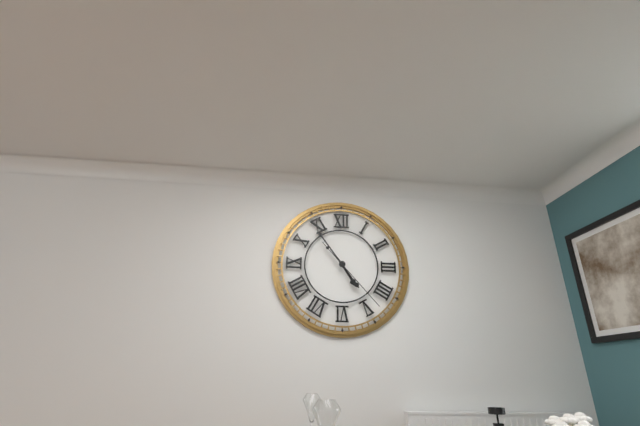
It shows h=4 m=54 s=23
